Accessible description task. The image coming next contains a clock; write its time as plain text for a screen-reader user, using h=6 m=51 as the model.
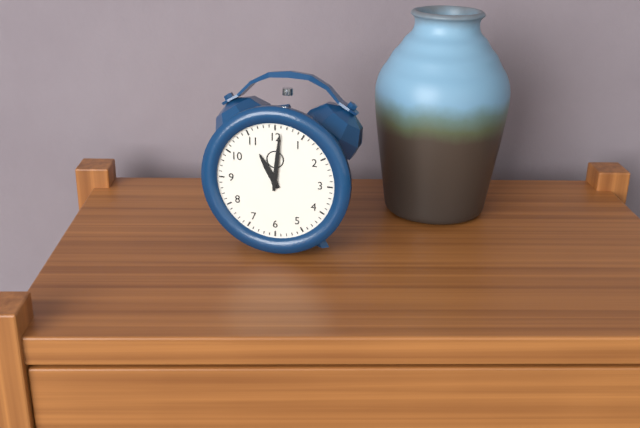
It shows h=11 m=1
